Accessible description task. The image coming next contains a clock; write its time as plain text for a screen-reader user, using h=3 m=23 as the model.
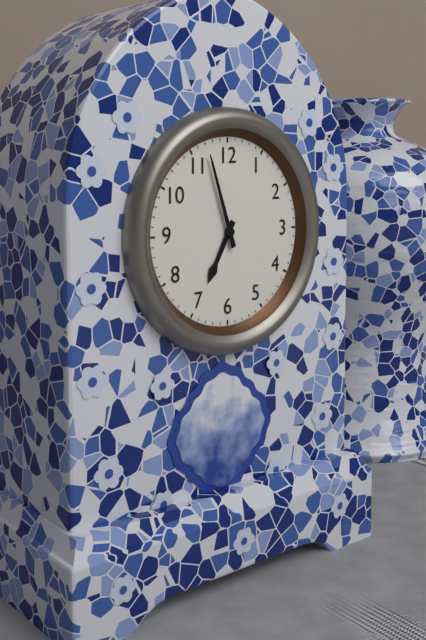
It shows h=6 m=57
